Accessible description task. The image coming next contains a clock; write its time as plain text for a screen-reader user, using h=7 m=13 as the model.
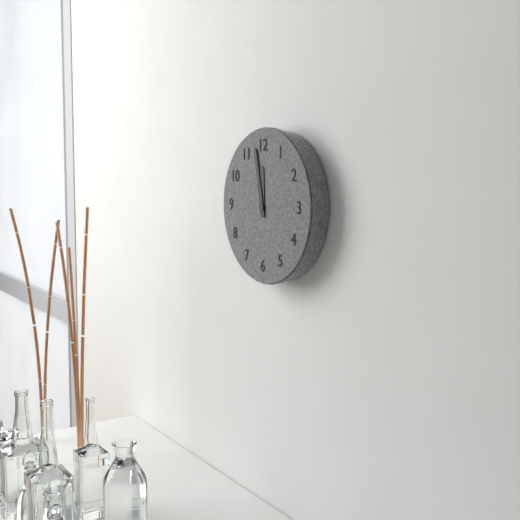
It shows h=11 m=58
